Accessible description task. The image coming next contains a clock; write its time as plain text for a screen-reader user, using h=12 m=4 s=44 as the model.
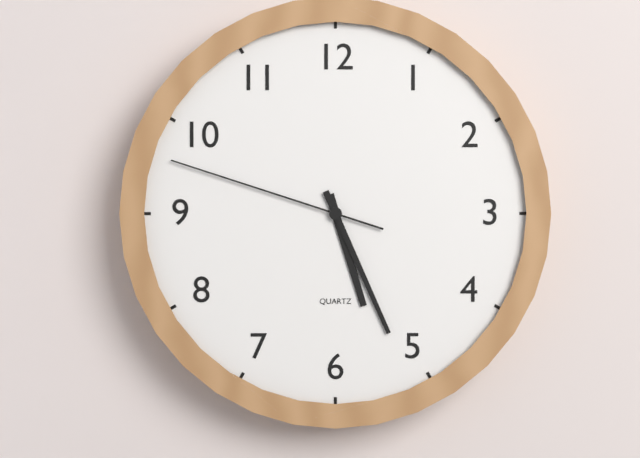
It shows h=5 m=26 s=48
